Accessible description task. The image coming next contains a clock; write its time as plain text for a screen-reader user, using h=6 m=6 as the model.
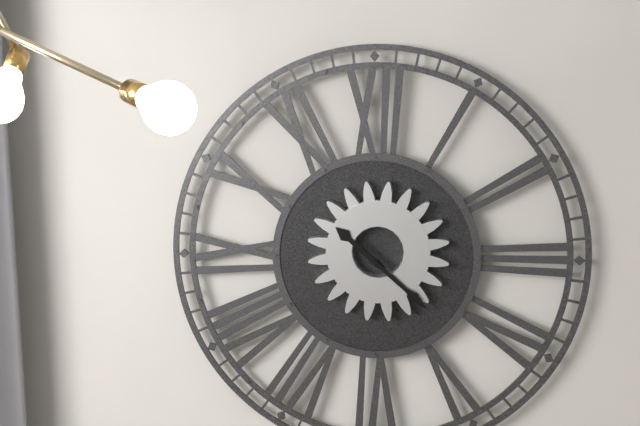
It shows h=10 m=22
